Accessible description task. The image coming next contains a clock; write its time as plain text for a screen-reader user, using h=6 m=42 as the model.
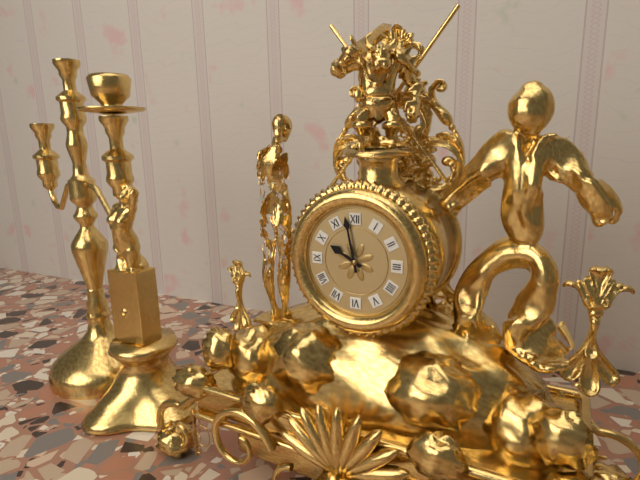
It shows h=9 m=58
